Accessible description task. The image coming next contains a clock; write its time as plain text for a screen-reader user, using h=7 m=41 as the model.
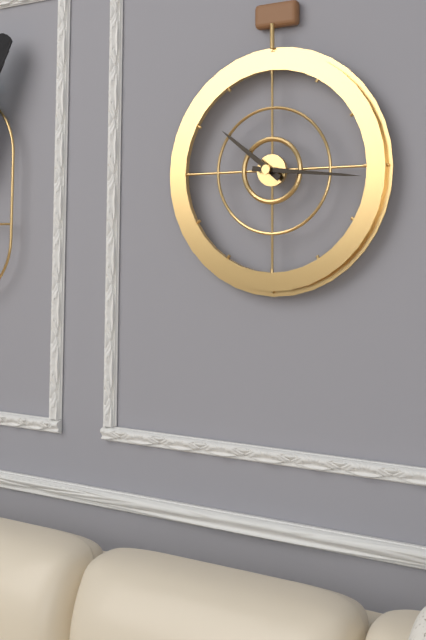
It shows h=10 m=16
